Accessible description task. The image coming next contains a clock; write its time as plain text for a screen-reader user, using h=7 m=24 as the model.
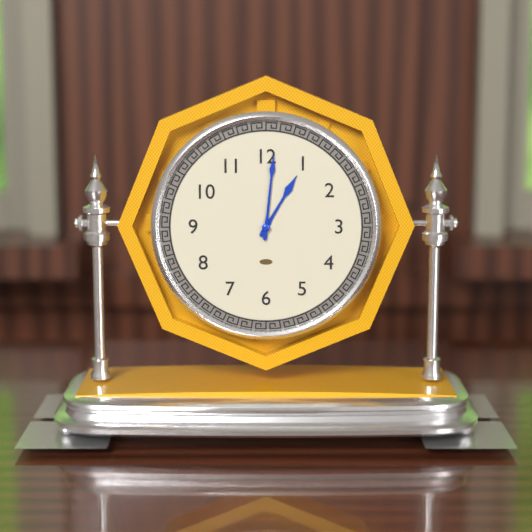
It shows h=1 m=1
